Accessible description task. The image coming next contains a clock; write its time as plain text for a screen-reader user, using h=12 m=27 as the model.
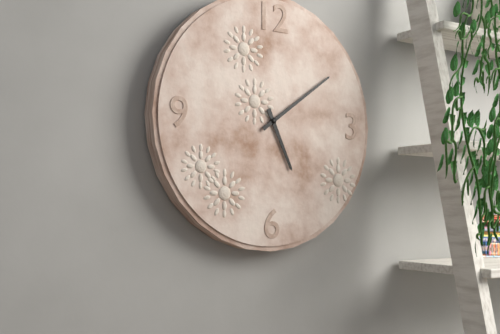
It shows h=5 m=9
